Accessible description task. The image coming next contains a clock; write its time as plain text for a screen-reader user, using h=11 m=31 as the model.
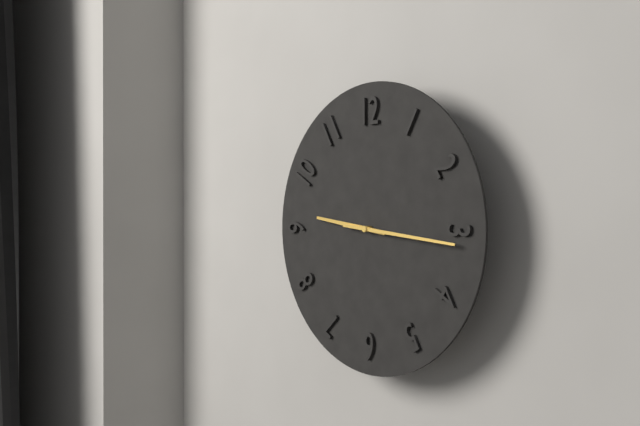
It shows h=9 m=16
